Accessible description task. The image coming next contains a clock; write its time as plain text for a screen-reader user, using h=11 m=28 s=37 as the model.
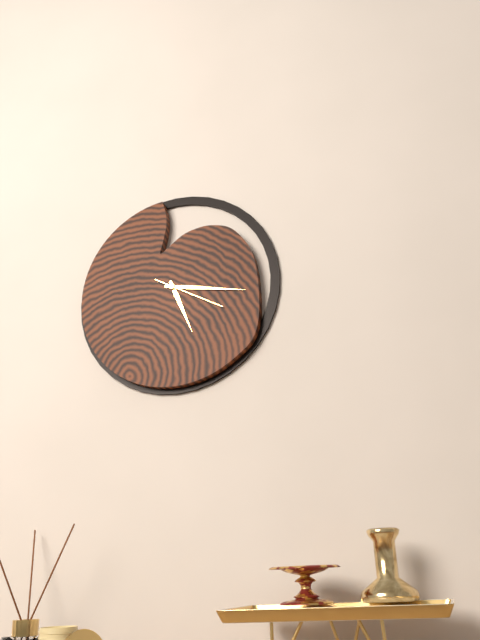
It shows h=5 m=17 s=20
